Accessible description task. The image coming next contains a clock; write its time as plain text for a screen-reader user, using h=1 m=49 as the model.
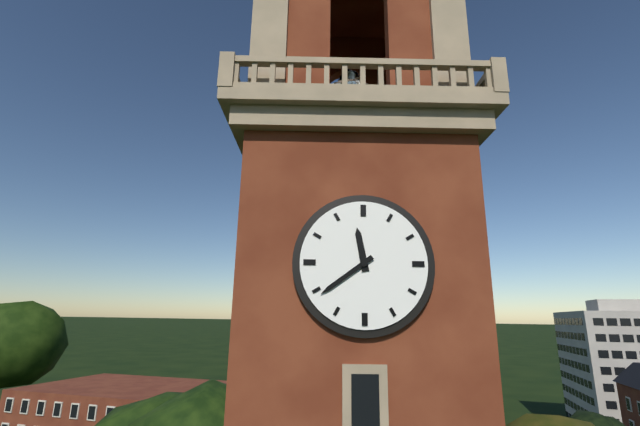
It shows h=11 m=39
